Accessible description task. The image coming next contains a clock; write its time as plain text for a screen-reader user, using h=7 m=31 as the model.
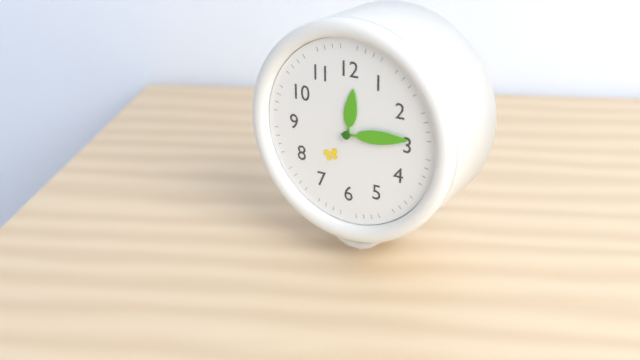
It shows h=12 m=14
